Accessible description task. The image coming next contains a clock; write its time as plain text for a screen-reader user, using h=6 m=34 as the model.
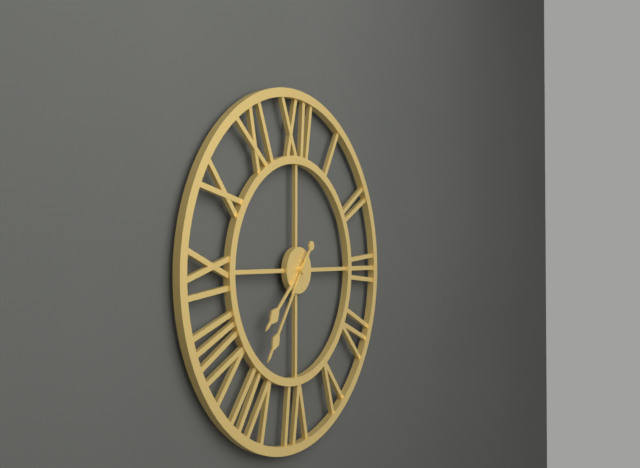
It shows h=7 m=36
